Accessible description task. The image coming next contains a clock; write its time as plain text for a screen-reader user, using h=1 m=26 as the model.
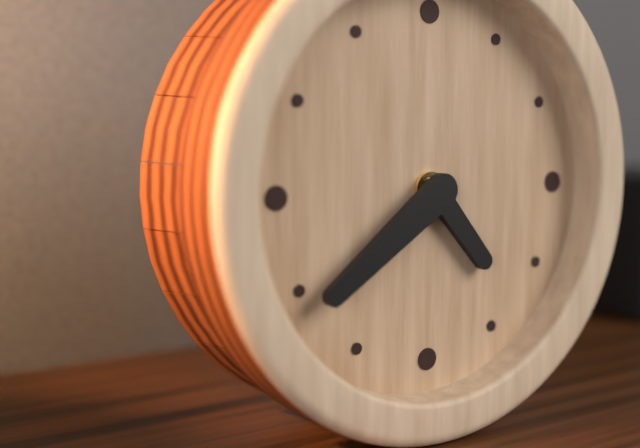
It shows h=4 m=39
